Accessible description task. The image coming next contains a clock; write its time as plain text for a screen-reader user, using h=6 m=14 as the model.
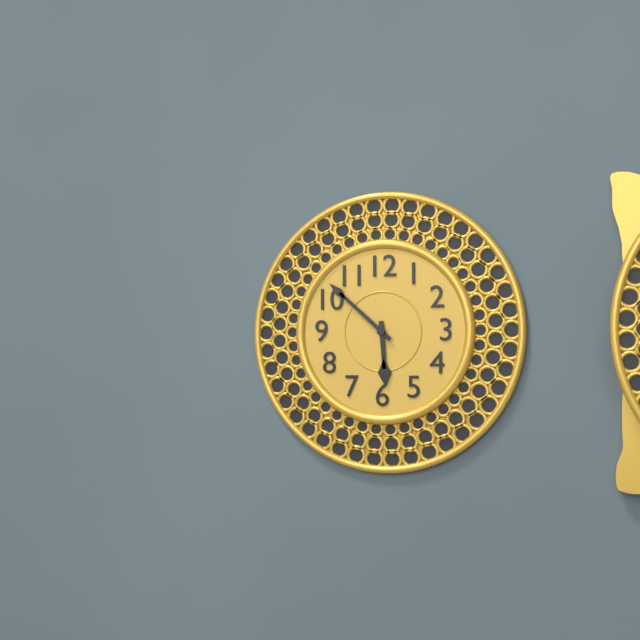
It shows h=5 m=52
